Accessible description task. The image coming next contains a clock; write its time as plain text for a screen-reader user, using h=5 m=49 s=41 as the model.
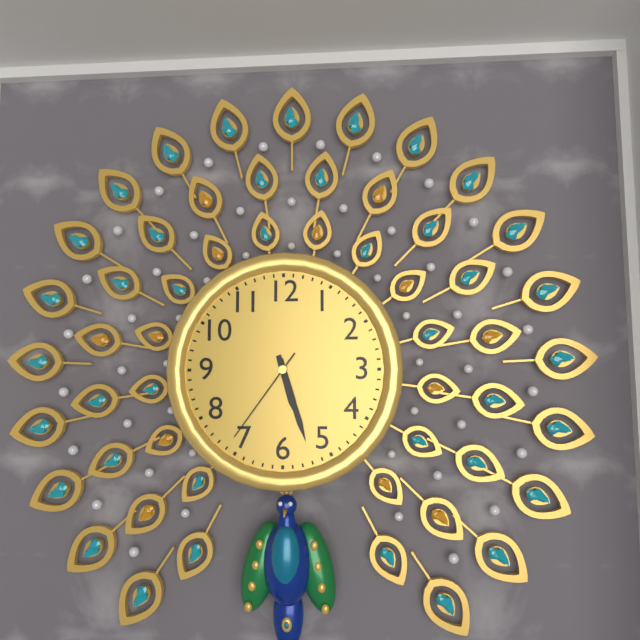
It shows h=5 m=27 s=36
